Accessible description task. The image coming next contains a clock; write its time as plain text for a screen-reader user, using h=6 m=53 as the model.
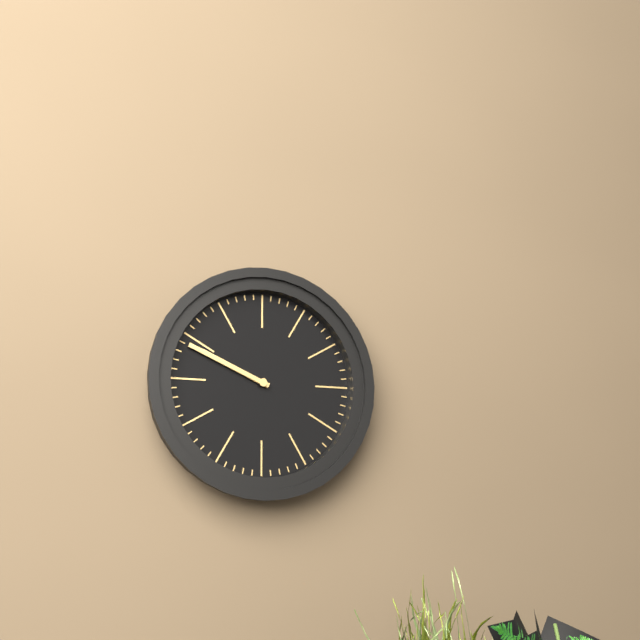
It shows h=9 m=49
